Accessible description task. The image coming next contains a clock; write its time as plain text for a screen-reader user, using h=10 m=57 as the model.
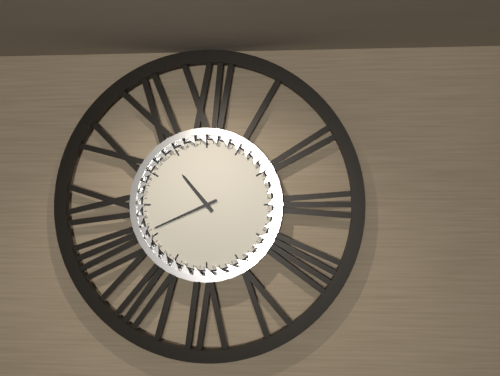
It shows h=10 m=41
